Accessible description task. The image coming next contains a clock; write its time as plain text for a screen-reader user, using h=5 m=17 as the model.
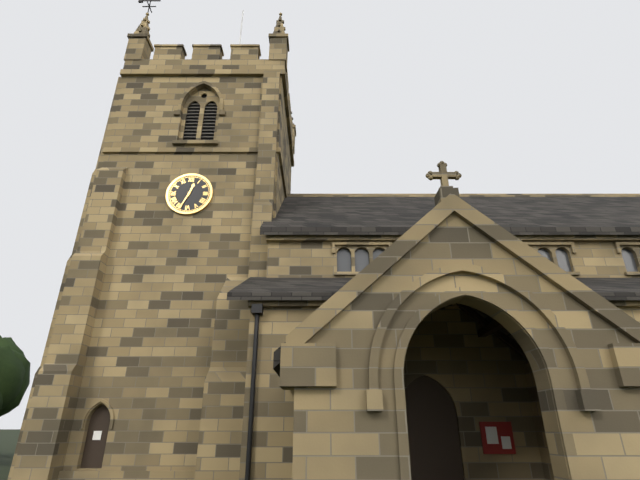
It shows h=12 m=34
